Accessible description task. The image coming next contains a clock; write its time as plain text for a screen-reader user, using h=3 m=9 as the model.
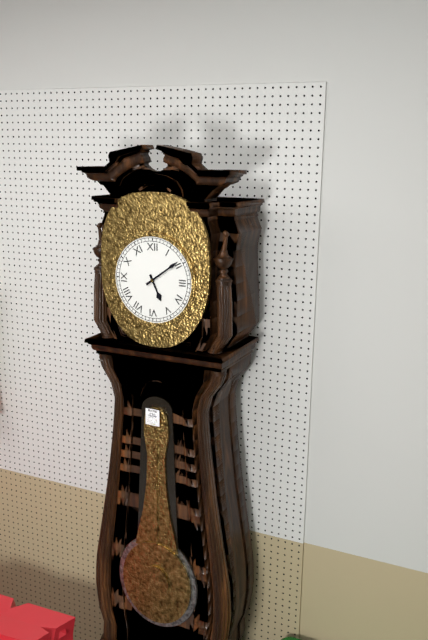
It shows h=5 m=9
